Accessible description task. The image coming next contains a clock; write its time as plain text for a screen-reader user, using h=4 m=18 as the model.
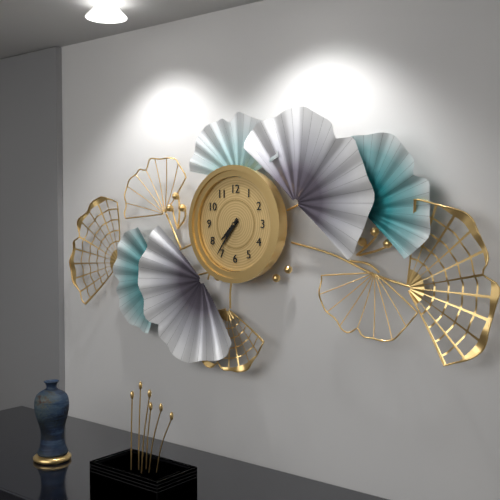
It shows h=7 m=36
